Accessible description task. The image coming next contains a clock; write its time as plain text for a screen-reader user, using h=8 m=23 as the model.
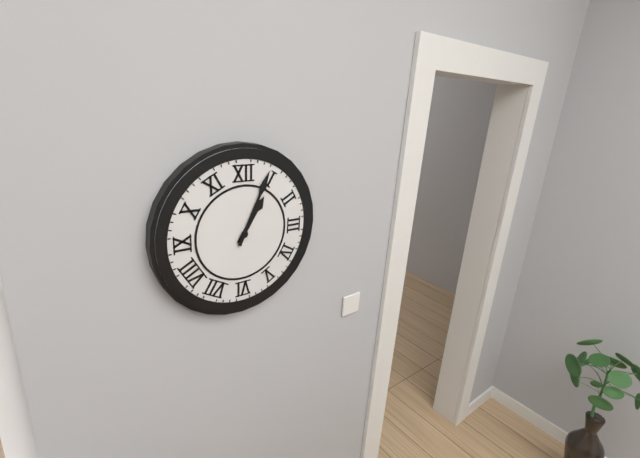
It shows h=1 m=4
